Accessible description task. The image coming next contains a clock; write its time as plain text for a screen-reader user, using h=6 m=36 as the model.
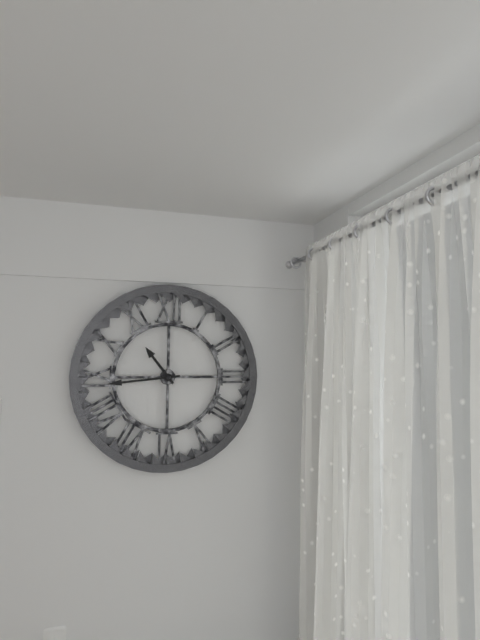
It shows h=10 m=44
